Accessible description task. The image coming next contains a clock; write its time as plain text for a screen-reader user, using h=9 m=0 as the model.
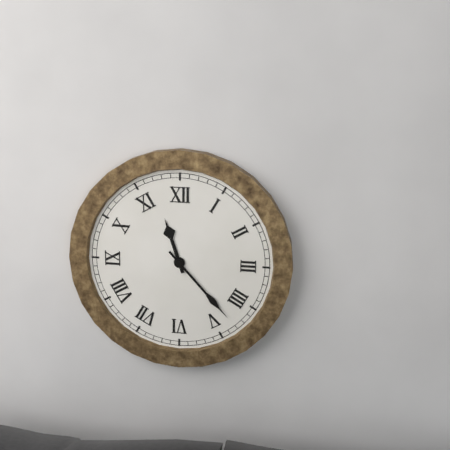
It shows h=11 m=23
